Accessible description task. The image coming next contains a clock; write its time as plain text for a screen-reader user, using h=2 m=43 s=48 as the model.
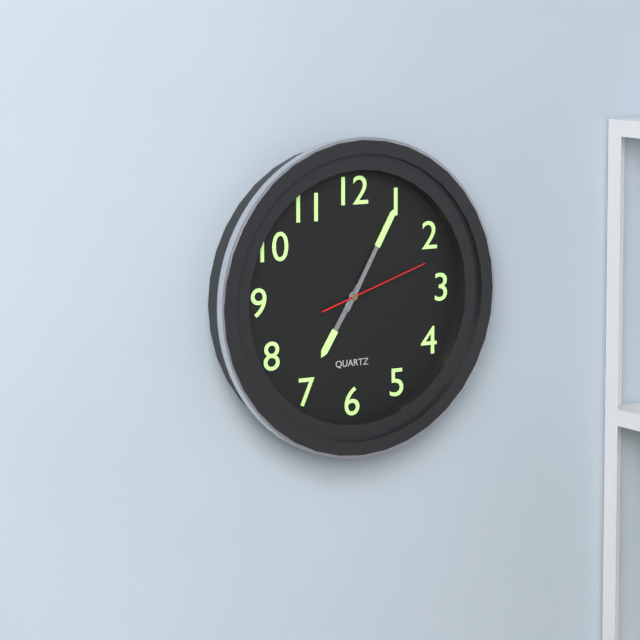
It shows h=7 m=5 s=12
